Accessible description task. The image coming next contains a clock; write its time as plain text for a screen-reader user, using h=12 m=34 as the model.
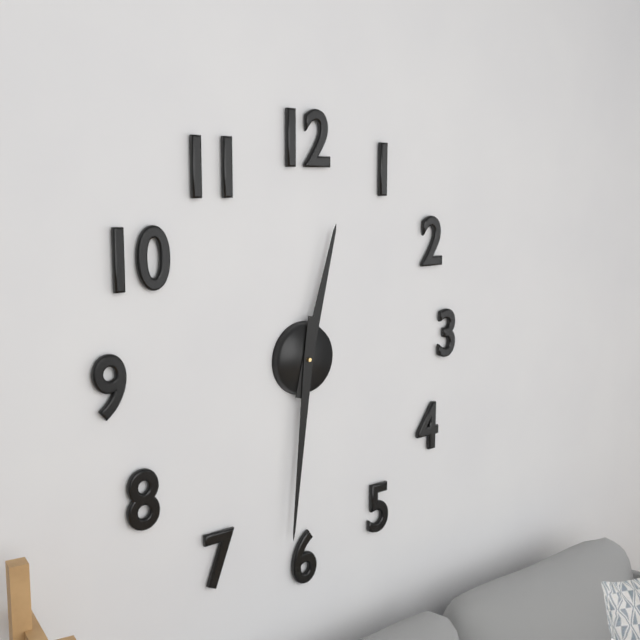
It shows h=12 m=31
